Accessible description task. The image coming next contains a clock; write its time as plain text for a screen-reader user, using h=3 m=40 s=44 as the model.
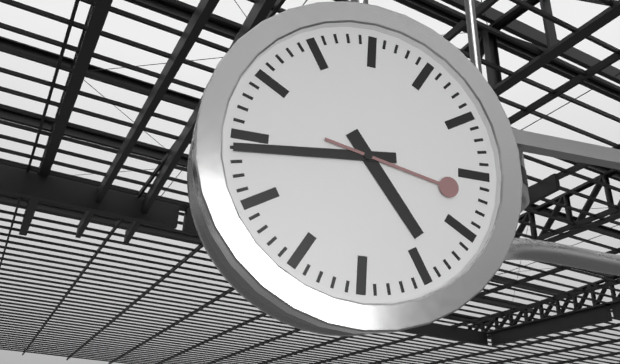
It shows h=4 m=44 s=17
